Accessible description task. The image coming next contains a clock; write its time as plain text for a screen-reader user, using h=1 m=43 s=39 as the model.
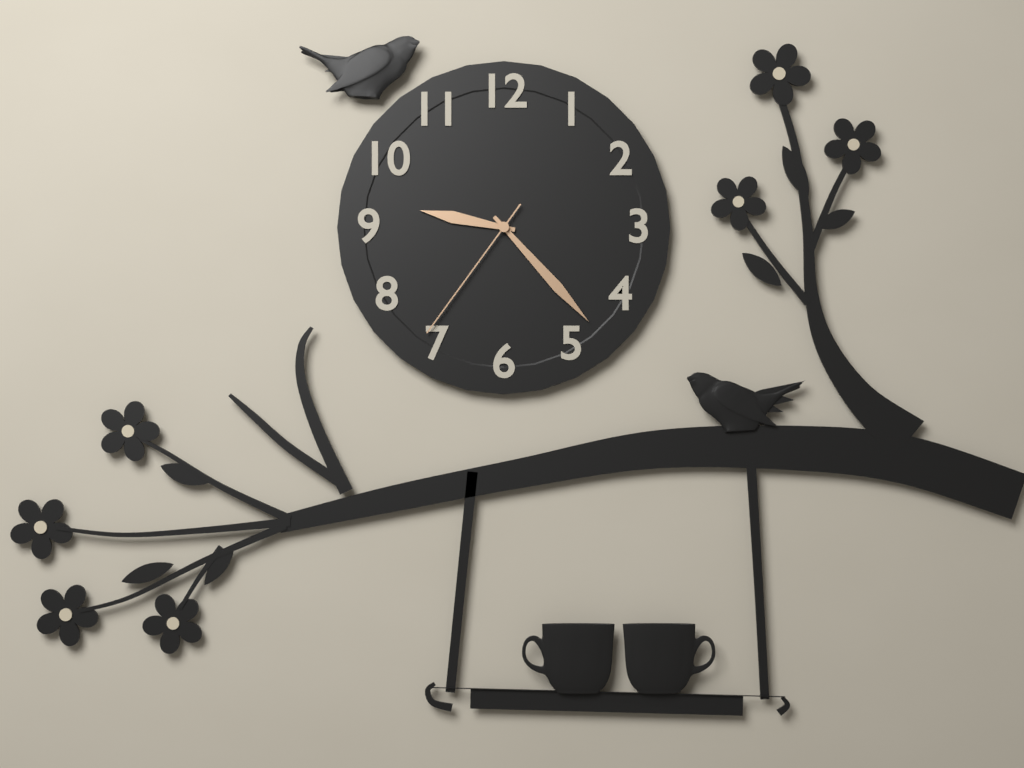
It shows h=9 m=23 s=36
